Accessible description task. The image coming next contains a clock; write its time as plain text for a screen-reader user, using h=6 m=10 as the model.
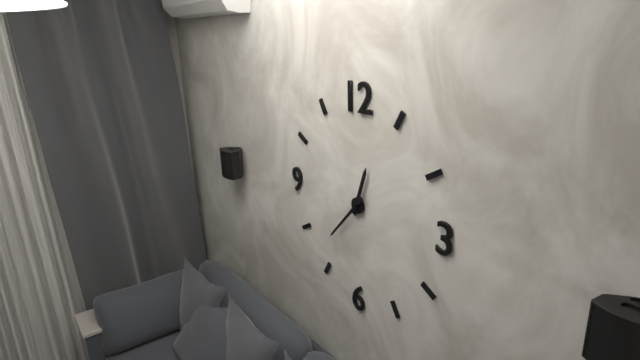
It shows h=12 m=37
